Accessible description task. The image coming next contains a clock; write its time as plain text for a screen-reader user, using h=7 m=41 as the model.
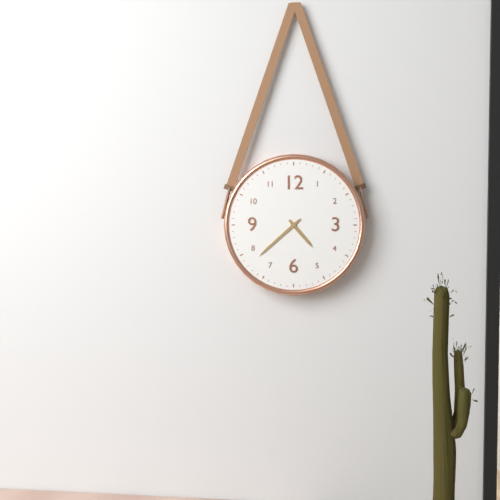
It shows h=4 m=38
